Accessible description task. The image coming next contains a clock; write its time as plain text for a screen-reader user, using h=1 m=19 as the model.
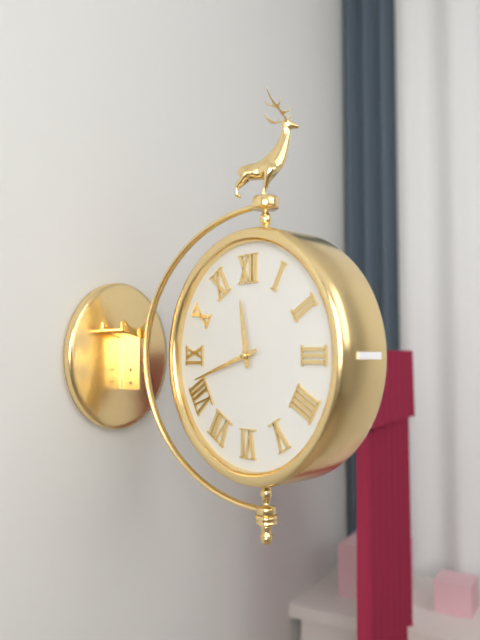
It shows h=11 m=42
